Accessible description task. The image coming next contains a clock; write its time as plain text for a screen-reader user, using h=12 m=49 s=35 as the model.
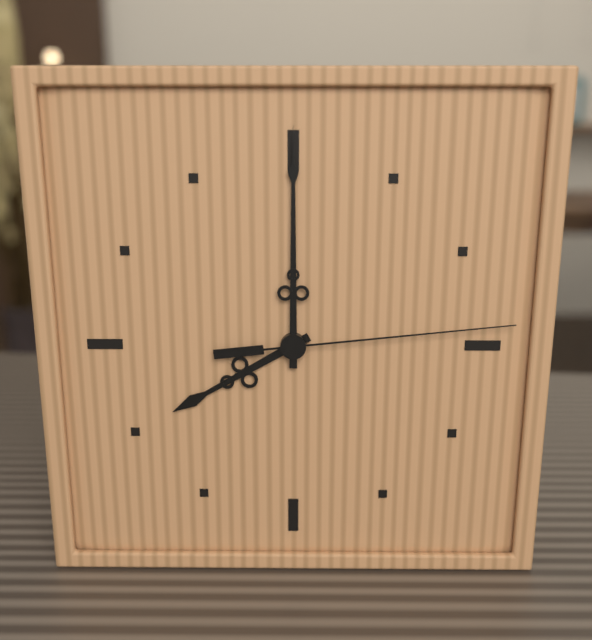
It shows h=8 m=0 s=14
